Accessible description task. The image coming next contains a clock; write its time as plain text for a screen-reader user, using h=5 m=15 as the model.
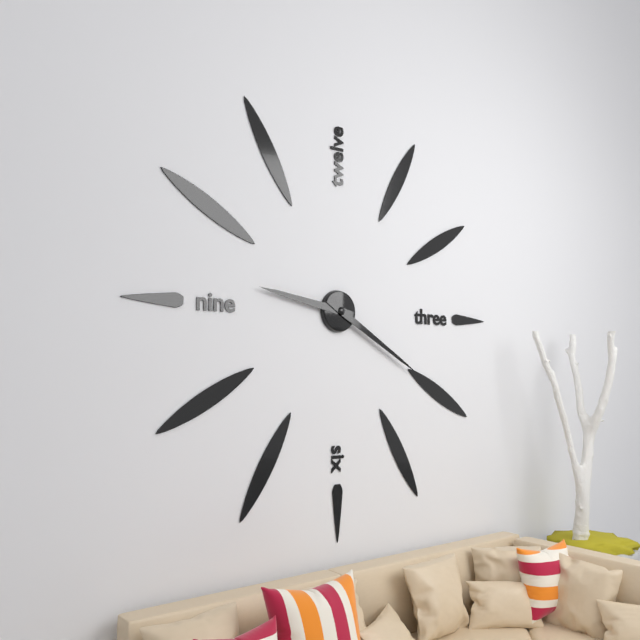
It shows h=9 m=20
